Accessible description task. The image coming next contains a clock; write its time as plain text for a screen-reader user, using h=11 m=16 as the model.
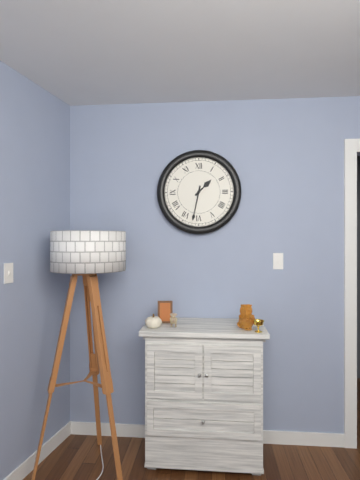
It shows h=1 m=32
